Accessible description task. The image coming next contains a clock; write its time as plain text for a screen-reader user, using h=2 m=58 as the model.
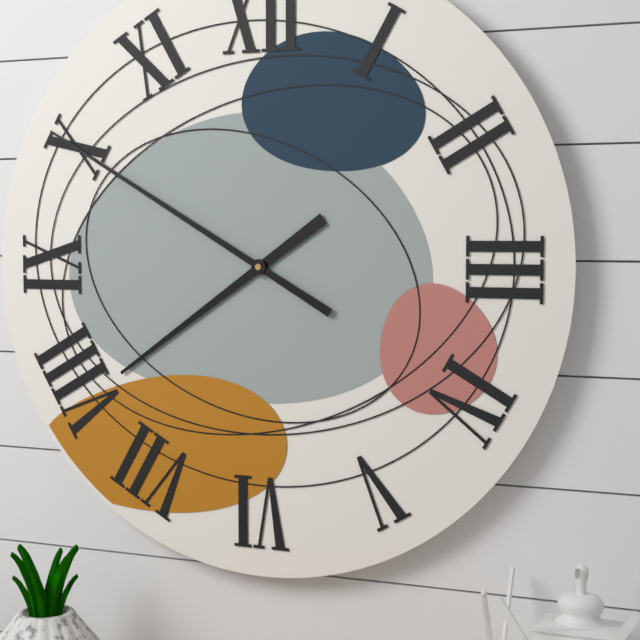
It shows h=7 m=50
